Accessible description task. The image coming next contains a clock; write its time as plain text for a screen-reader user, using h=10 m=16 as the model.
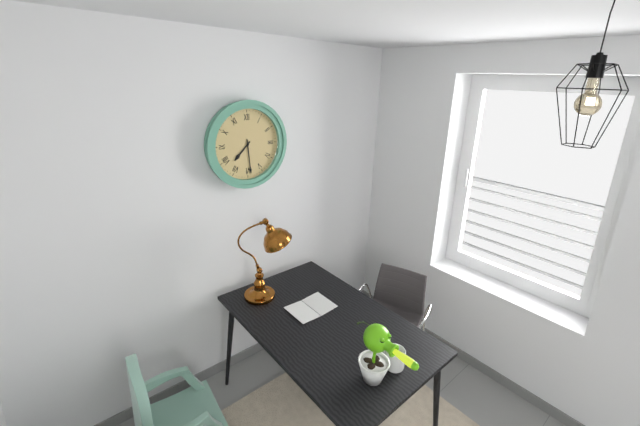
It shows h=7 m=29
